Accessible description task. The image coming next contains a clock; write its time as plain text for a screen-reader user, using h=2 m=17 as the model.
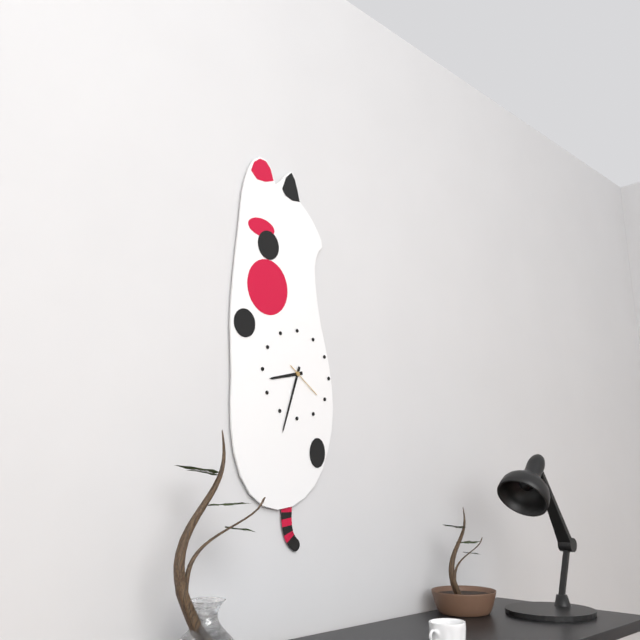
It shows h=8 m=33
